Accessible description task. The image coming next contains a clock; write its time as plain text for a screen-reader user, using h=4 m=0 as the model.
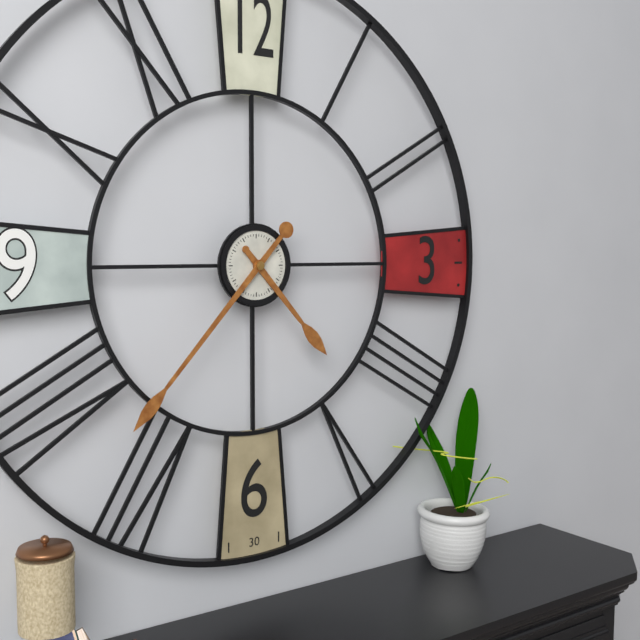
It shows h=4 m=37
